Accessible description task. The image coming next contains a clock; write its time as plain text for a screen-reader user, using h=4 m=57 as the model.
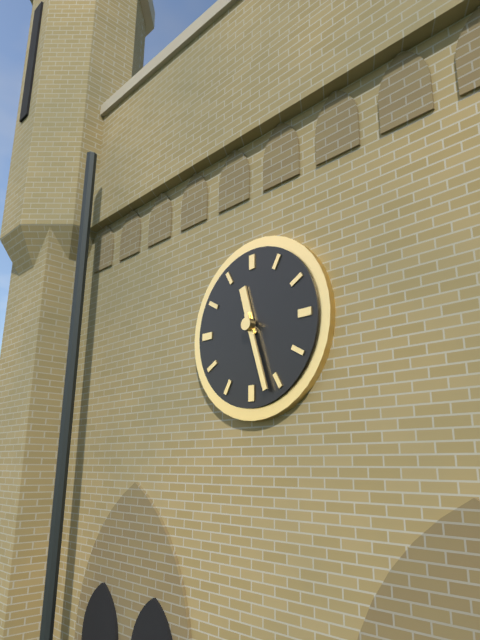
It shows h=11 m=27
